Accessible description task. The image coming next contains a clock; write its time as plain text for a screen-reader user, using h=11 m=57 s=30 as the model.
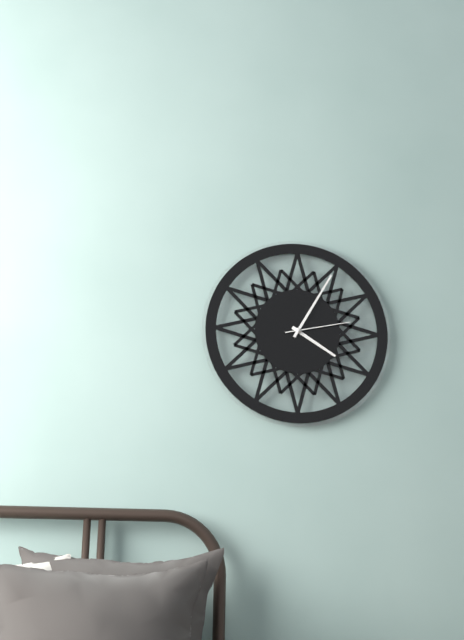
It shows h=4 m=5 s=13
